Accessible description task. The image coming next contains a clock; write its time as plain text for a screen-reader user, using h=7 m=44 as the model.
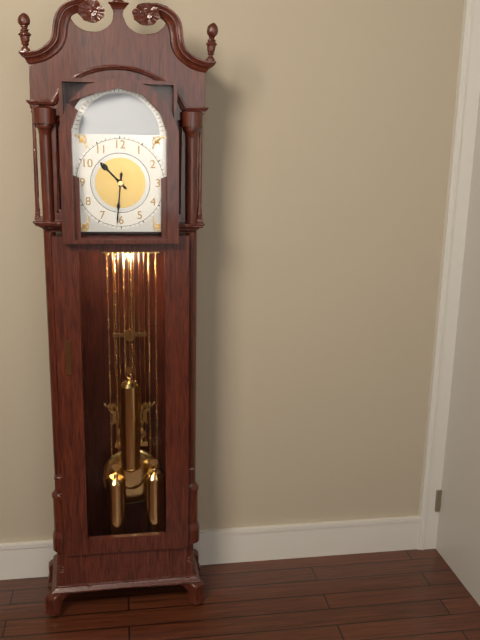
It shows h=10 m=31
